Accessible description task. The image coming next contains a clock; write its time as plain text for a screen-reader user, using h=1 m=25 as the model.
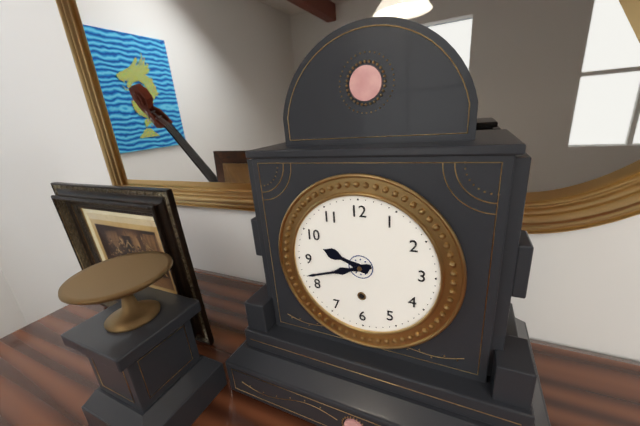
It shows h=9 m=42
